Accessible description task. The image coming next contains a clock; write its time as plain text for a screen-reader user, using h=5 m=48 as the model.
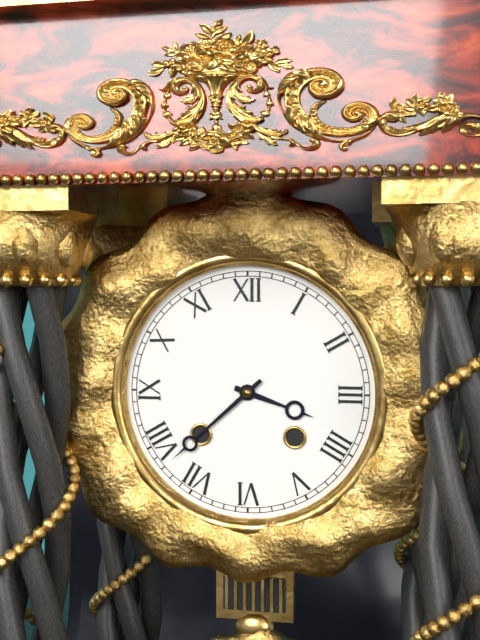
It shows h=3 m=38
